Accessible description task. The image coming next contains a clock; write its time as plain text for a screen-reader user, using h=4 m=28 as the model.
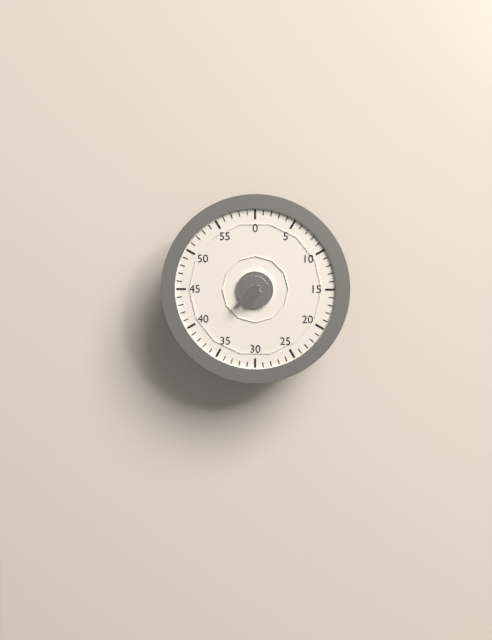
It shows h=6 m=38
